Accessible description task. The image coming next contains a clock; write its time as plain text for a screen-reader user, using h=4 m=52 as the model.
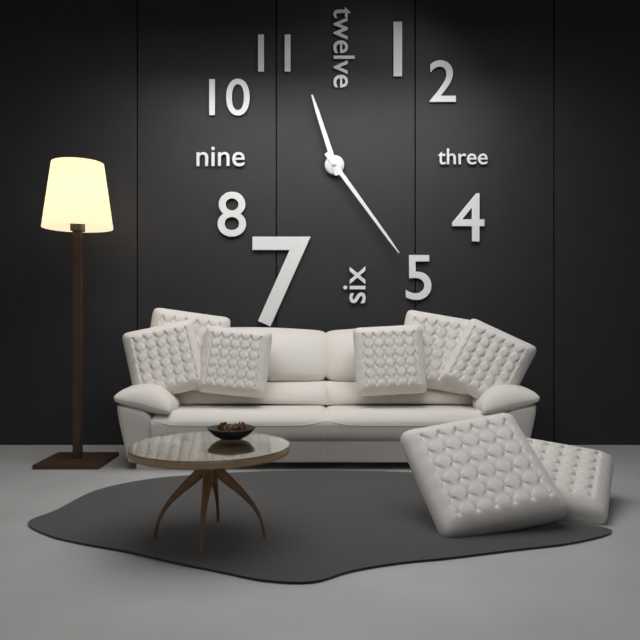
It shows h=11 m=24
